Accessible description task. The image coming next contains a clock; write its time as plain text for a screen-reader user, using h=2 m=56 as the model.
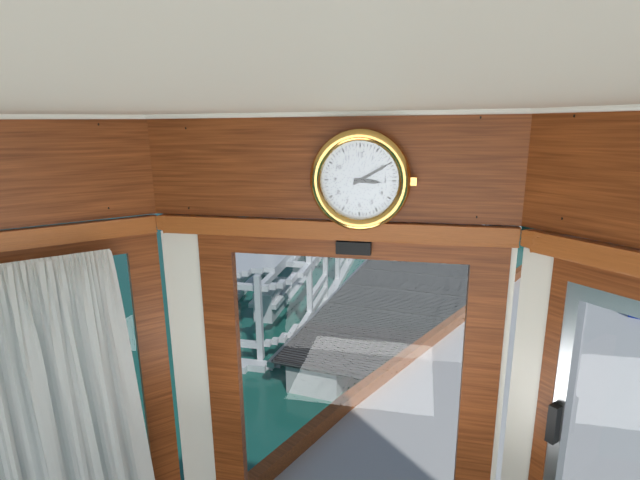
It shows h=3 m=10
